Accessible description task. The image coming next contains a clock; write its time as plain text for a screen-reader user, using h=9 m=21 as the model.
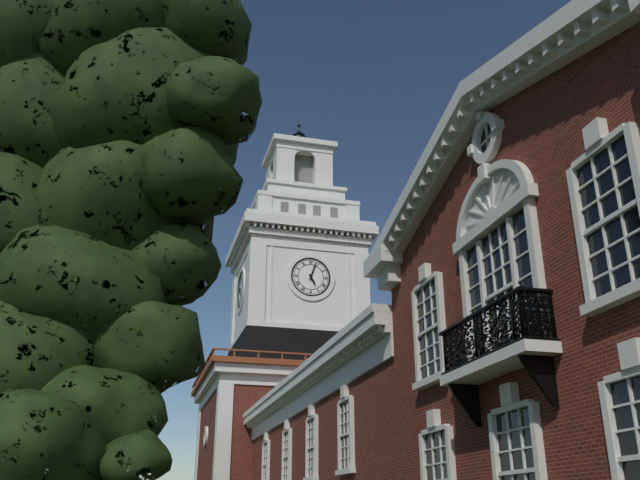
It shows h=5 m=3
